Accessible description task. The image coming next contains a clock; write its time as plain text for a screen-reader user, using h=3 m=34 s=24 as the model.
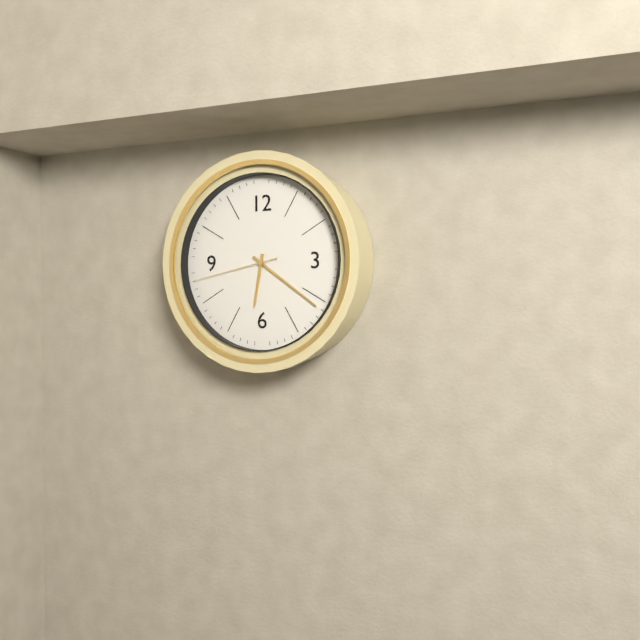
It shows h=6 m=21 s=43
